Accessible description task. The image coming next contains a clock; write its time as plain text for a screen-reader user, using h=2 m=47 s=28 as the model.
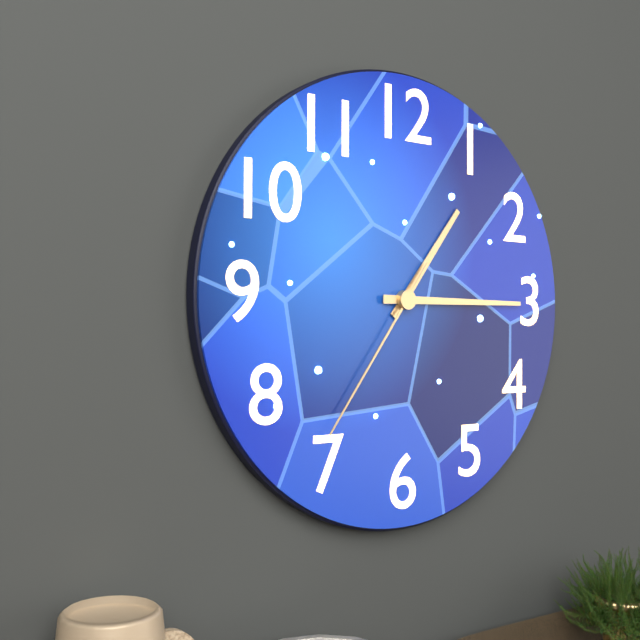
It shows h=1 m=15 s=36
